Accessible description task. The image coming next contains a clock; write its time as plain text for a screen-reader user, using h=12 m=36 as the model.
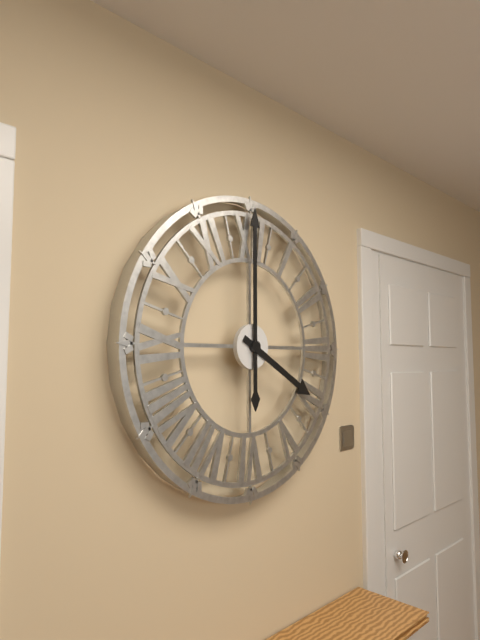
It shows h=4 m=0
